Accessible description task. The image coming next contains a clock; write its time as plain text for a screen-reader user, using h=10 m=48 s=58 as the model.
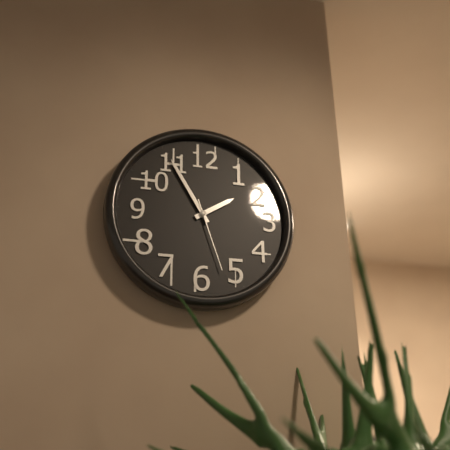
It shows h=1 m=55 s=27
